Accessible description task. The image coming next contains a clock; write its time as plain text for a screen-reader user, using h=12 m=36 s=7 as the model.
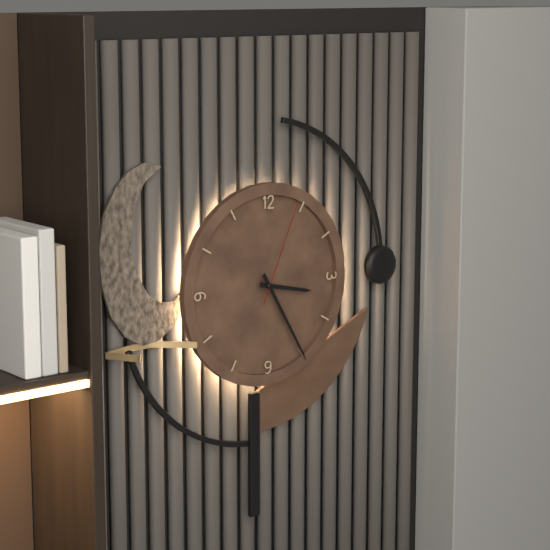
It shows h=3 m=25 s=4
